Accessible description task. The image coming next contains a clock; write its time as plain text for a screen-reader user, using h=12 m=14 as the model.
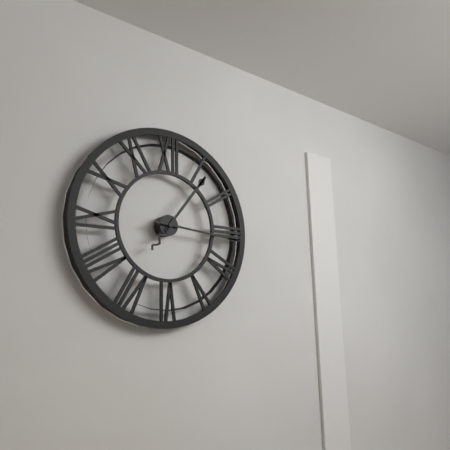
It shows h=1 m=16
